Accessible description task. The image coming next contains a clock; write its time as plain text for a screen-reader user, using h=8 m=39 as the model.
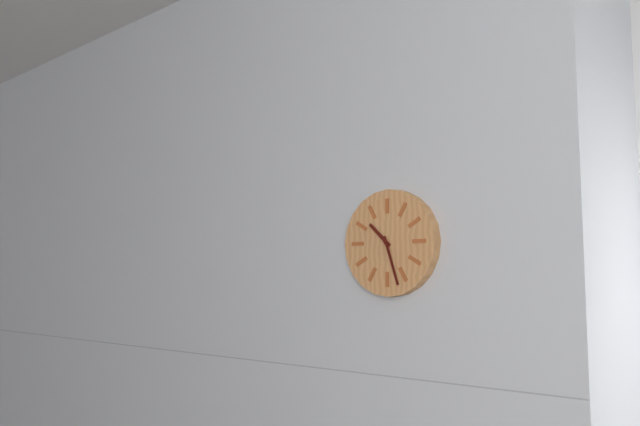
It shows h=10 m=27
